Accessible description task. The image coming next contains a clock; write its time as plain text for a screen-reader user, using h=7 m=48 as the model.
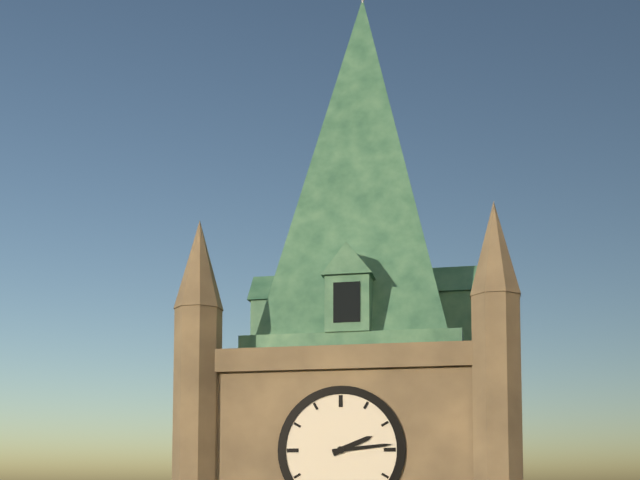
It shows h=2 m=14
